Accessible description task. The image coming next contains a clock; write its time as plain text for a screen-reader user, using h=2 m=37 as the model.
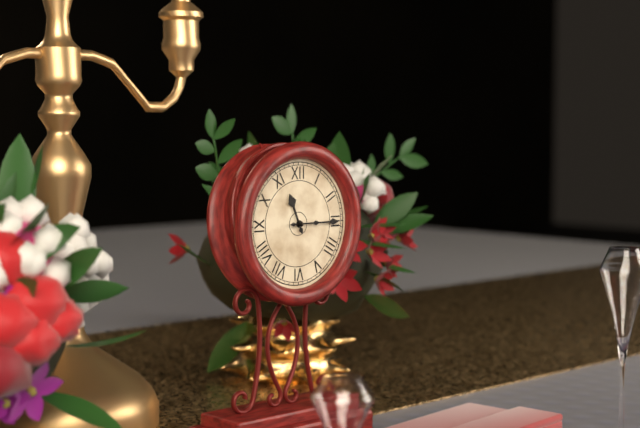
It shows h=11 m=15
